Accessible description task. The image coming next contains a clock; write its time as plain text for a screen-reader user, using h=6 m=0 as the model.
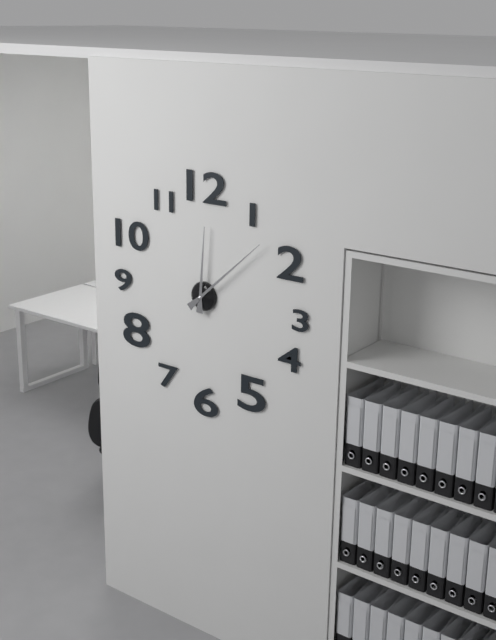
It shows h=12 m=8
